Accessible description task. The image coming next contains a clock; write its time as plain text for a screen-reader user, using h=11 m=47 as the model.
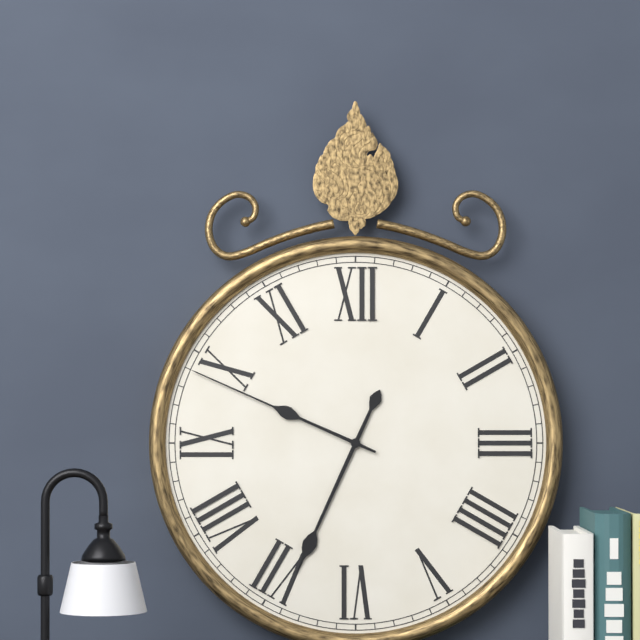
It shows h=6 m=49
